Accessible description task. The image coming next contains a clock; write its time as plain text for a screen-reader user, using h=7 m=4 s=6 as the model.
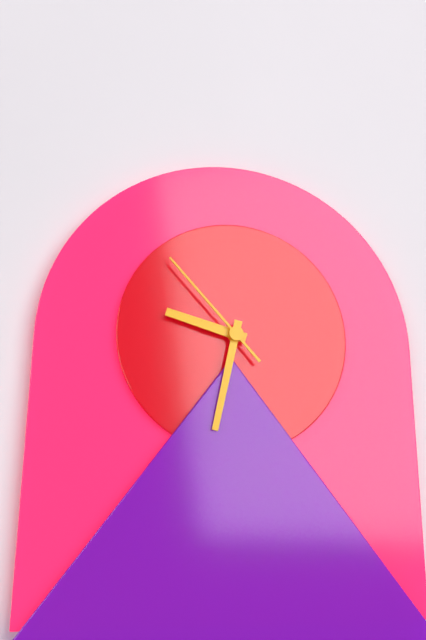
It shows h=9 m=32 s=53
